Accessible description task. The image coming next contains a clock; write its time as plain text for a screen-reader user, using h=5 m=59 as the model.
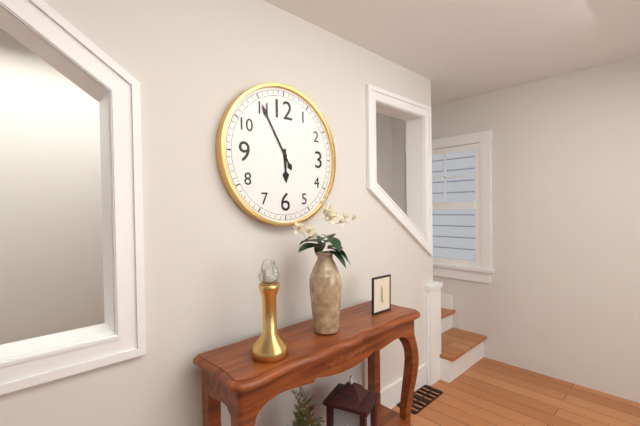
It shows h=5 m=55
